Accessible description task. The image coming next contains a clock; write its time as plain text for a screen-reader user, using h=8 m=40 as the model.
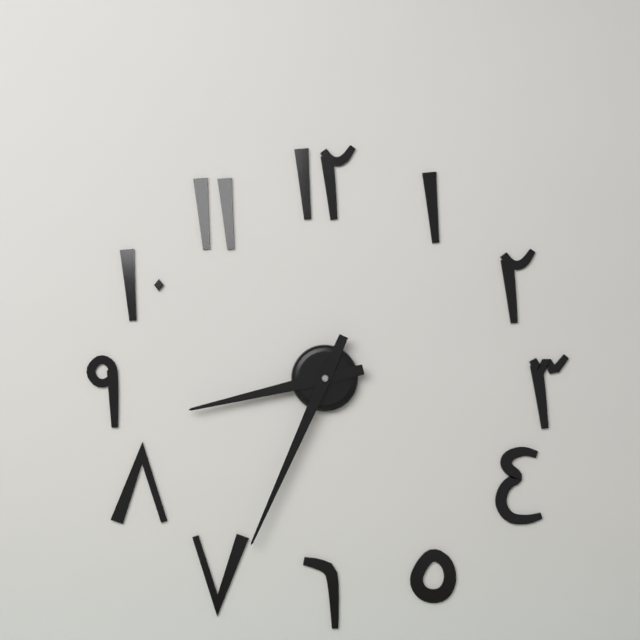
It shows h=8 m=34
